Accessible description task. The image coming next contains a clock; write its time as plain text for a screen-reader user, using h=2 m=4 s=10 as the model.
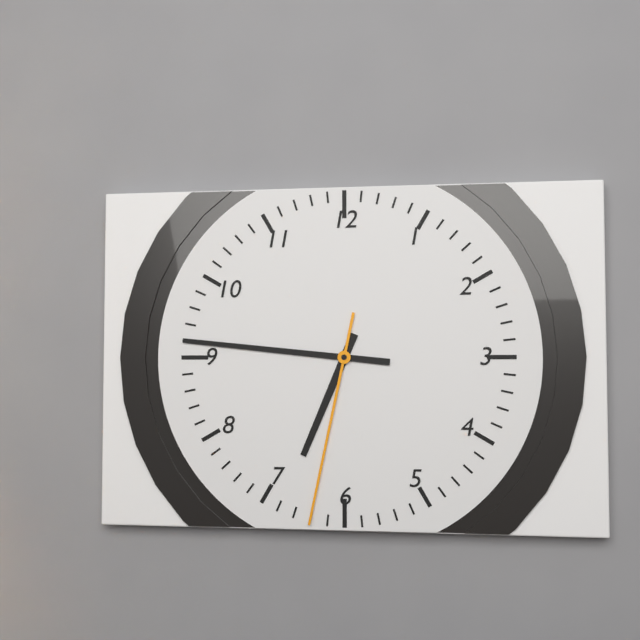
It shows h=6 m=46 s=32
